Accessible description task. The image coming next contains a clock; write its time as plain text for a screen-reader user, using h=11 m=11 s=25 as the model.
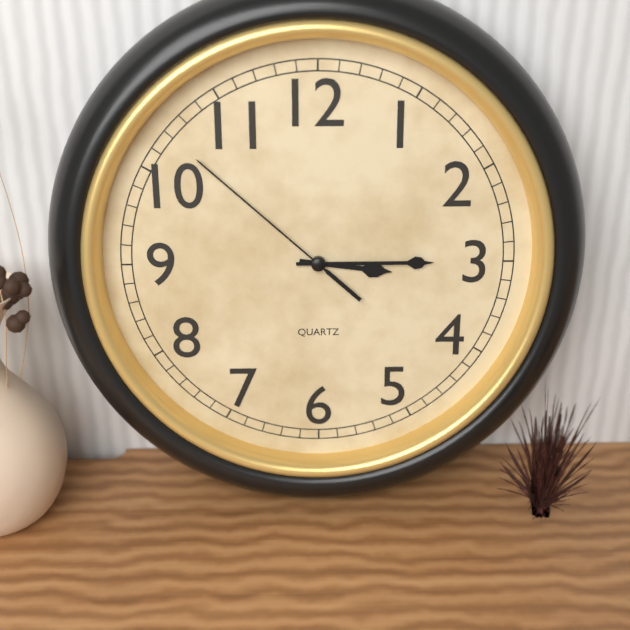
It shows h=3 m=15 s=52
